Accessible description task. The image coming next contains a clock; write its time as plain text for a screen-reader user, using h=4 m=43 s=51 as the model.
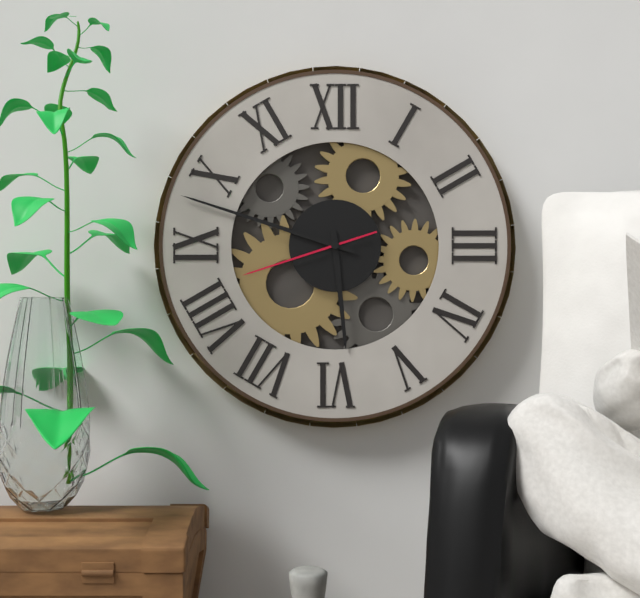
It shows h=5 m=48 s=42
